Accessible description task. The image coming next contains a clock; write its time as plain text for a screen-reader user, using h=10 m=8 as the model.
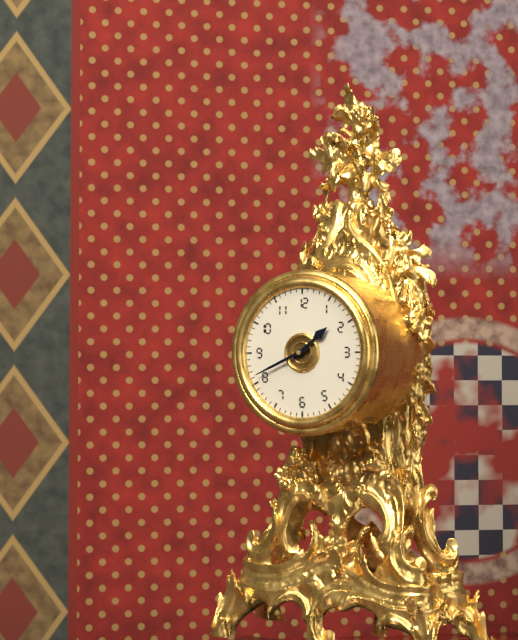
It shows h=1 m=41
